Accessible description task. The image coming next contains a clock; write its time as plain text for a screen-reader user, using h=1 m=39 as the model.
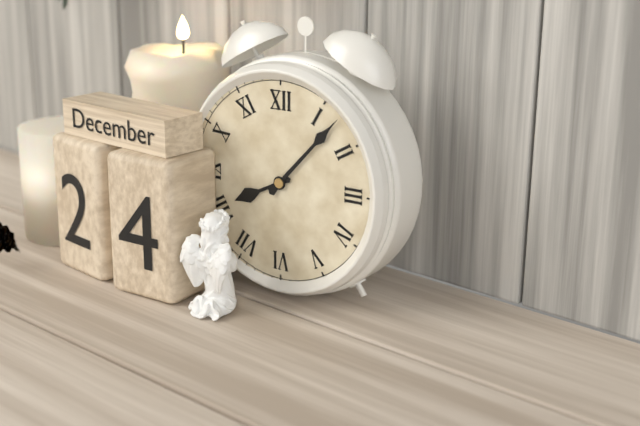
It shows h=8 m=7
